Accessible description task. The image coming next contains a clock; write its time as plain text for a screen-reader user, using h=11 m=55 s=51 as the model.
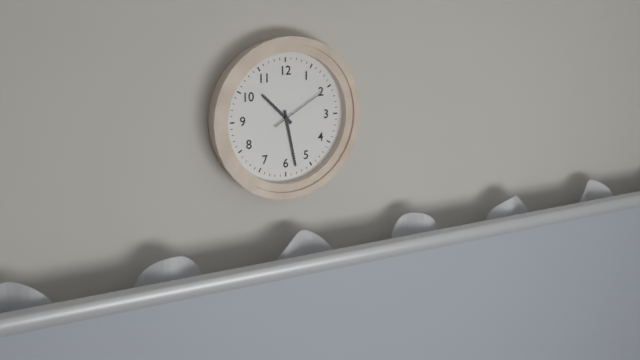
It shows h=10 m=28 s=10
